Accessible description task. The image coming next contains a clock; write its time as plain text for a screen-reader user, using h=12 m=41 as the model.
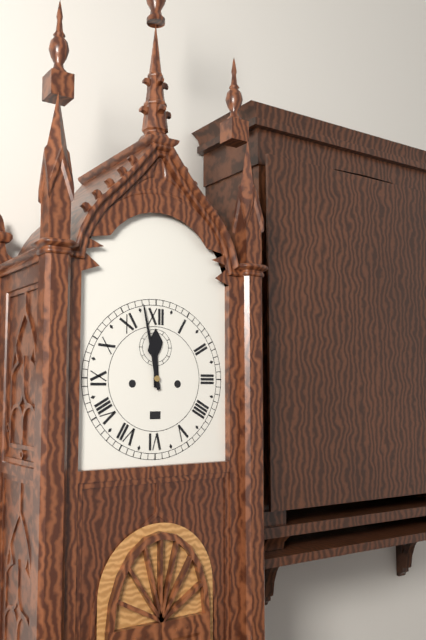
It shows h=11 m=58
